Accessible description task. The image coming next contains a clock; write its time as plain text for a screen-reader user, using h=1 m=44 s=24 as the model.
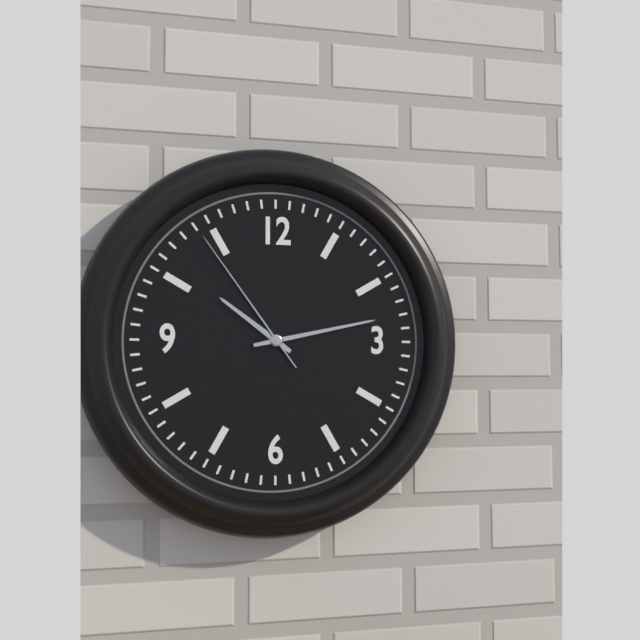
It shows h=10 m=13 s=54
